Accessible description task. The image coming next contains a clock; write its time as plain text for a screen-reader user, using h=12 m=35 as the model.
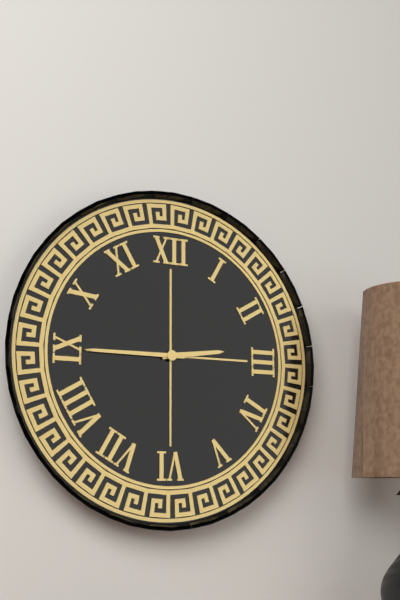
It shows h=2 m=45
